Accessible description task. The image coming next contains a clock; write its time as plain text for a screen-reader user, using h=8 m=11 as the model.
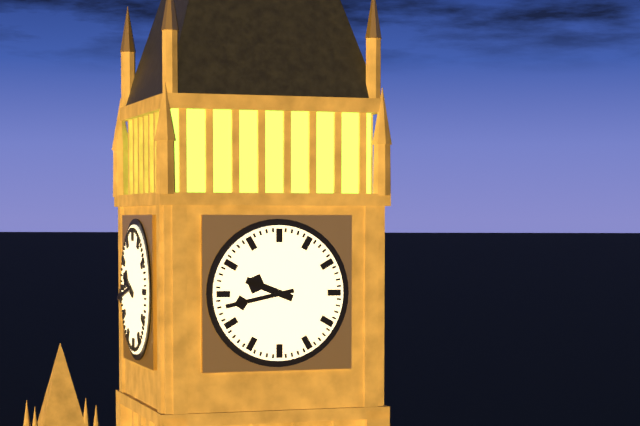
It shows h=9 m=43
